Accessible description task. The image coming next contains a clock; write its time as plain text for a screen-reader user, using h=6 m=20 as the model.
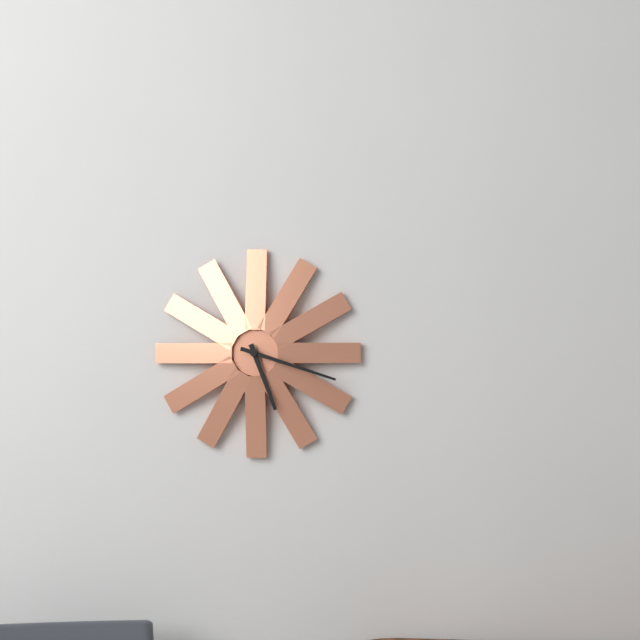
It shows h=5 m=18
